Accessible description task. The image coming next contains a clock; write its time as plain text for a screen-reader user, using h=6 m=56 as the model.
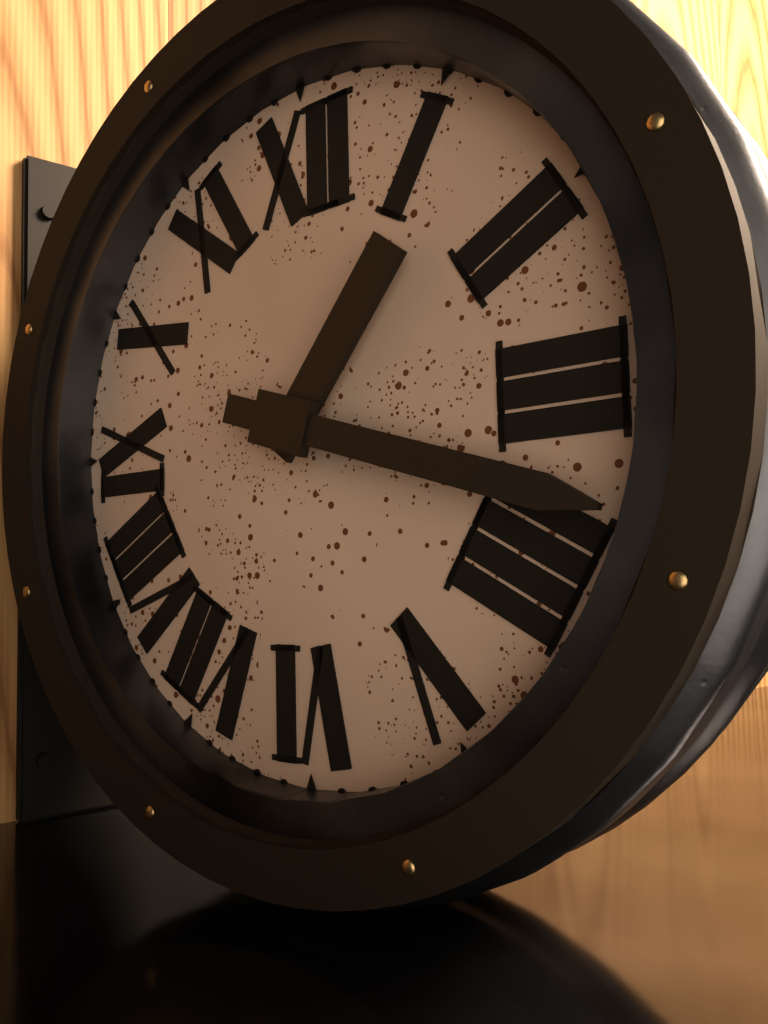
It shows h=1 m=18
